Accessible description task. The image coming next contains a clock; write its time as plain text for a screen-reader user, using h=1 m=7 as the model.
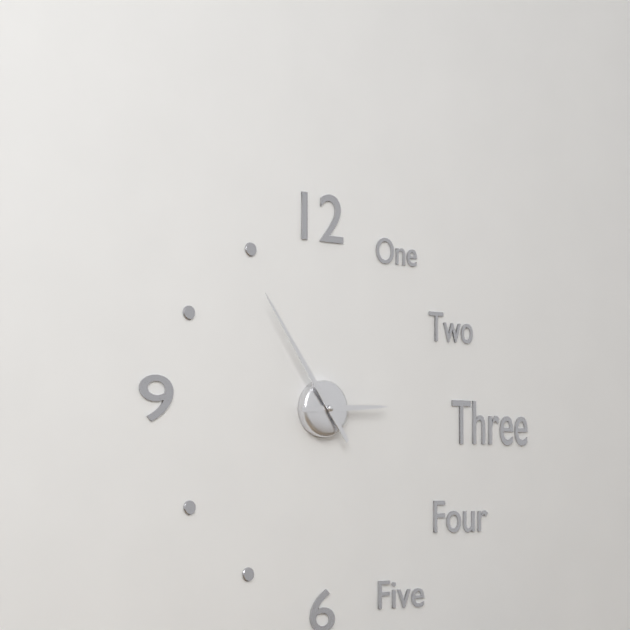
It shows h=2 m=54
